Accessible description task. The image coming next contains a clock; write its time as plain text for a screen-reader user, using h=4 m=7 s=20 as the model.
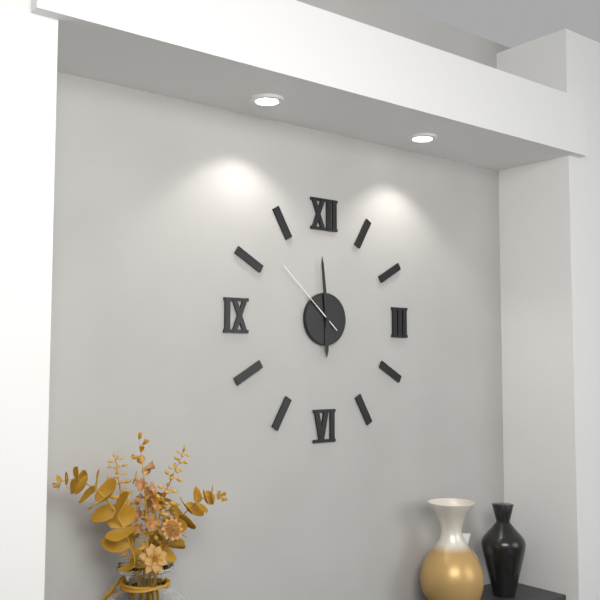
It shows h=5 m=59 s=52
